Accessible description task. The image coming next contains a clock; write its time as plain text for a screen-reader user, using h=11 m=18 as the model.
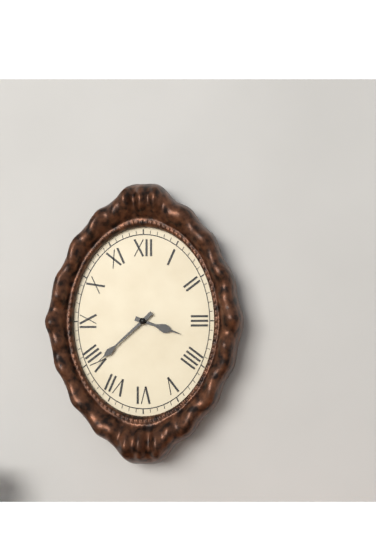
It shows h=3 m=38
